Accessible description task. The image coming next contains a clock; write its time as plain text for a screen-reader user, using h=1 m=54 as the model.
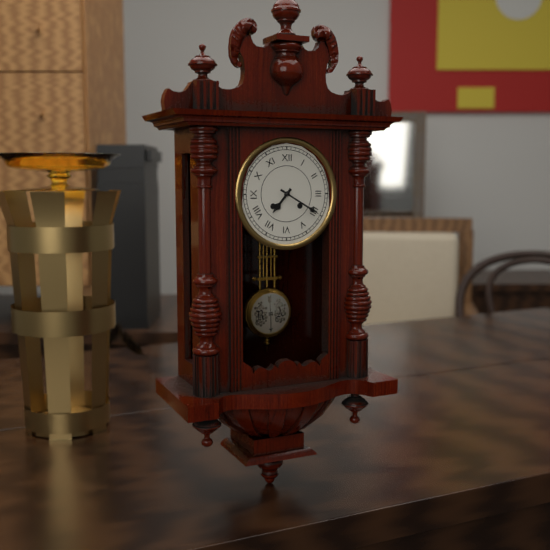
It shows h=7 m=20
